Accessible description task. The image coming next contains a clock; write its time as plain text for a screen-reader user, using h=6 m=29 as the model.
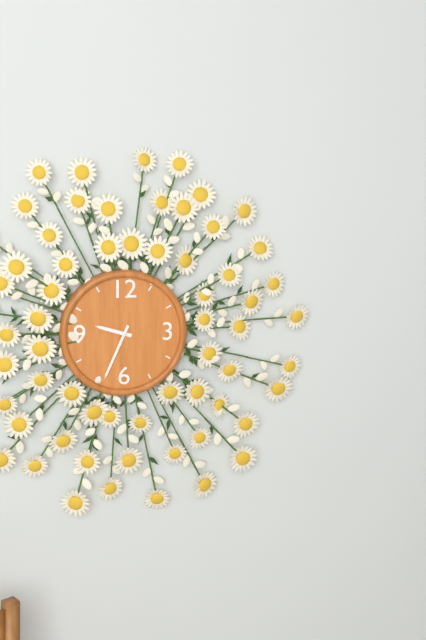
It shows h=9 m=34
